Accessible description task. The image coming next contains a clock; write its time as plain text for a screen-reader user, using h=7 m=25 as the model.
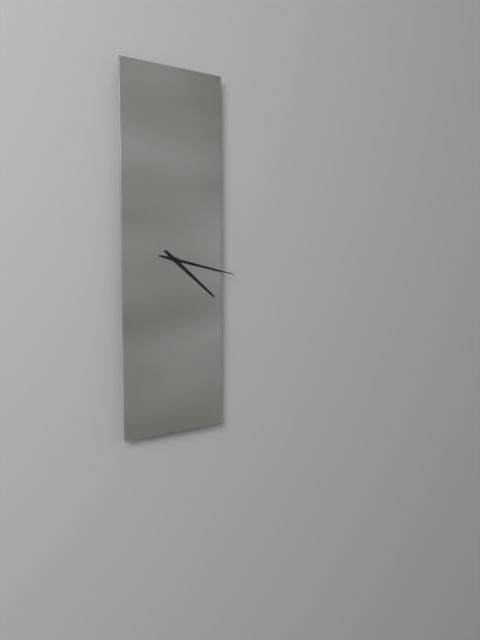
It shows h=4 m=17
